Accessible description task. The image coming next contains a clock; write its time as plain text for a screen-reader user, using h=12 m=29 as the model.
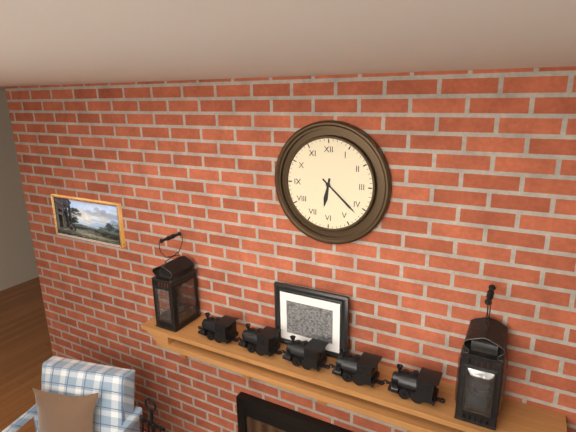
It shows h=6 m=22
